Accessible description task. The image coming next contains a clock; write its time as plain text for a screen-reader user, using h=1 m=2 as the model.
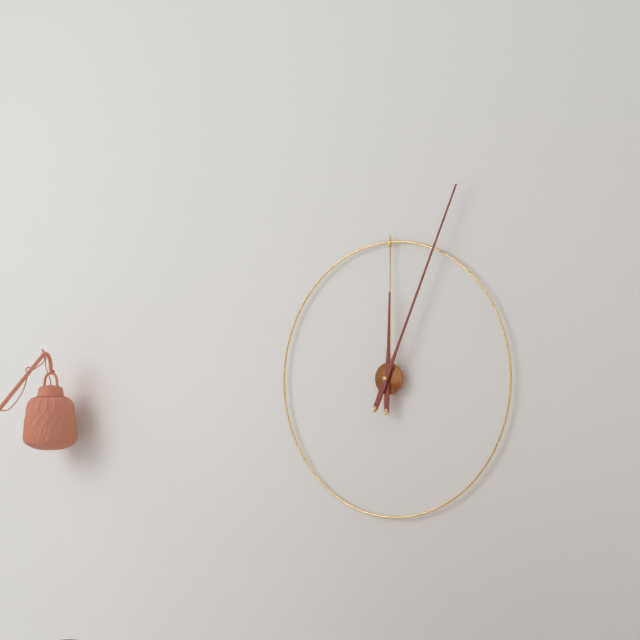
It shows h=12 m=4
